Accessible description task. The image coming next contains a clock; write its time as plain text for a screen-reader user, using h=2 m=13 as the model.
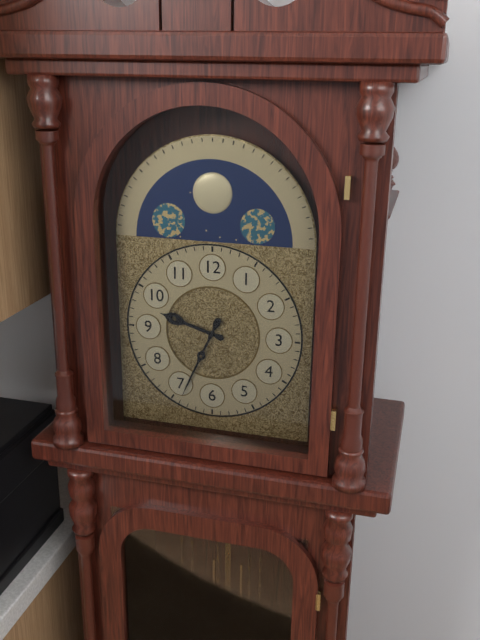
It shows h=9 m=34
